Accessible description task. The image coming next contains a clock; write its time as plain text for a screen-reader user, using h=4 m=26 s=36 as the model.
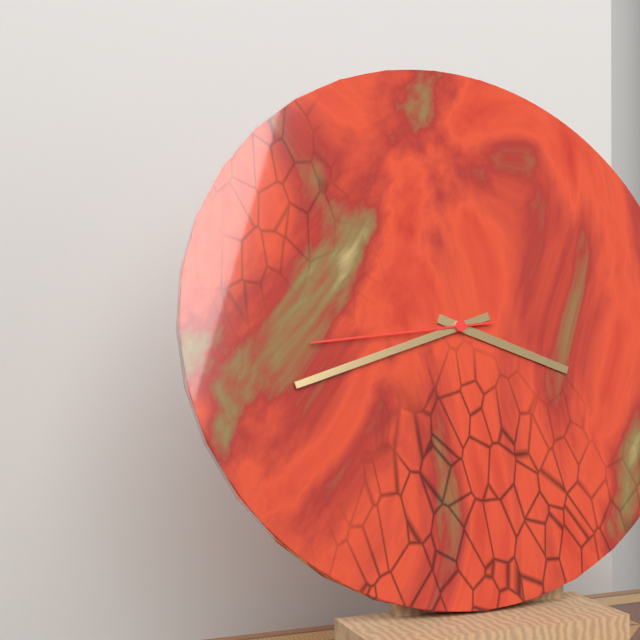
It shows h=3 m=42 s=44
